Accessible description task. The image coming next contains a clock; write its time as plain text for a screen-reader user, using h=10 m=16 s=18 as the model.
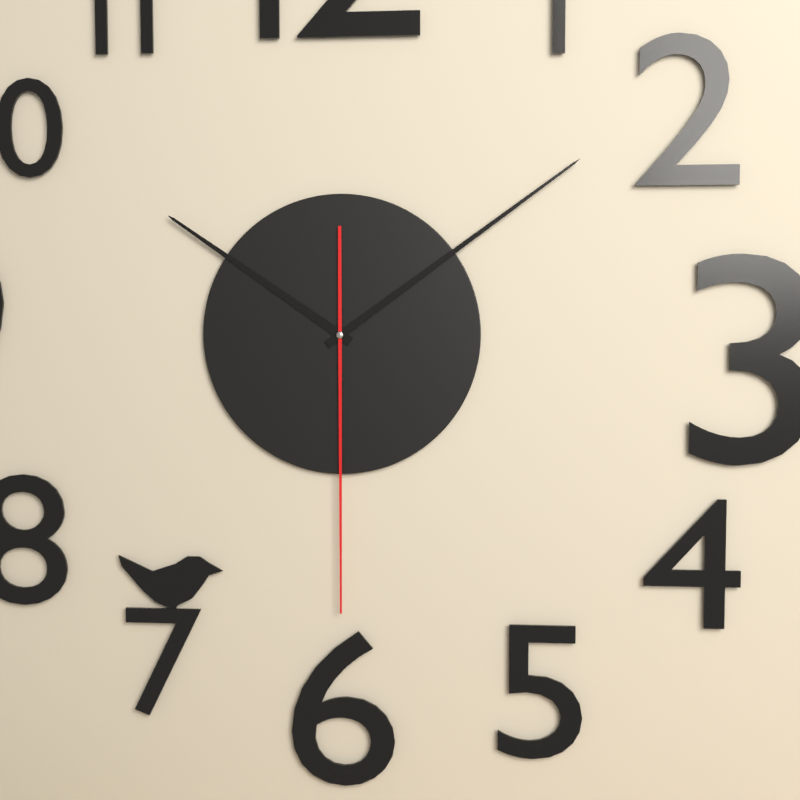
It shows h=10 m=9 s=30
